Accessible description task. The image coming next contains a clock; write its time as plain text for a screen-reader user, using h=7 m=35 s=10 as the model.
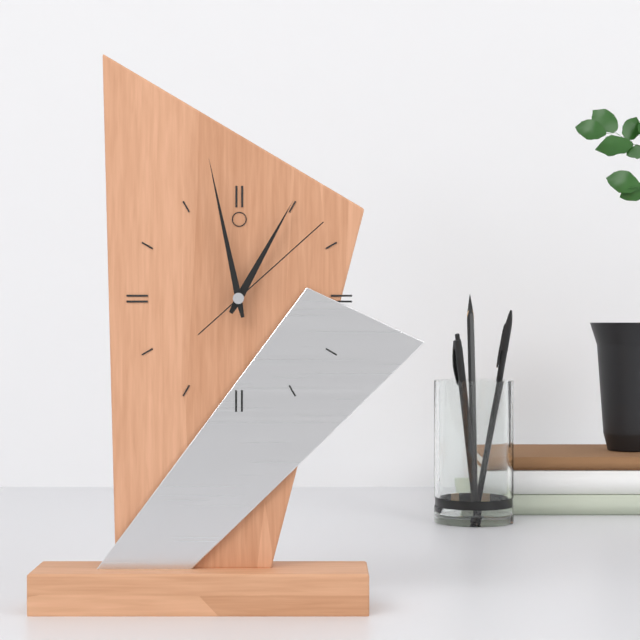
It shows h=12 m=58 s=8
